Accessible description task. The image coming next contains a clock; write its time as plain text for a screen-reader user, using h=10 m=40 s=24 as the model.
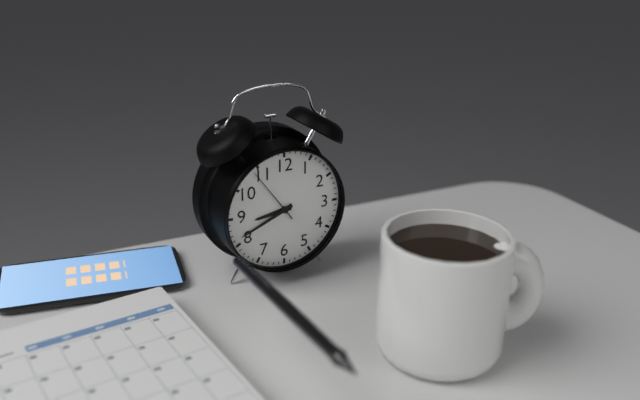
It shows h=8 m=41 s=54
